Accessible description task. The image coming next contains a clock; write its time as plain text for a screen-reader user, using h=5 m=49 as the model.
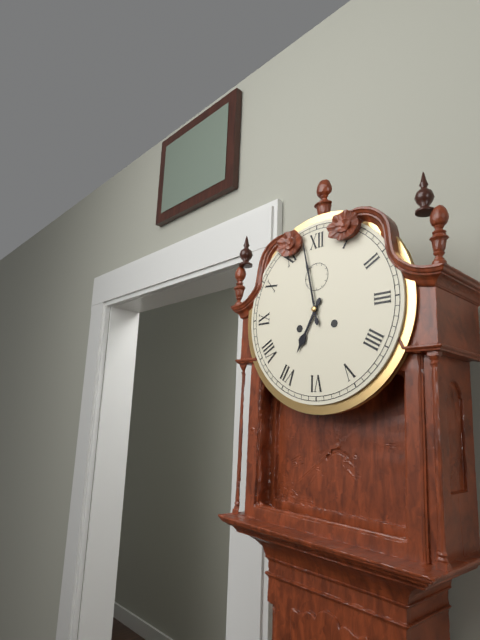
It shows h=6 m=58
